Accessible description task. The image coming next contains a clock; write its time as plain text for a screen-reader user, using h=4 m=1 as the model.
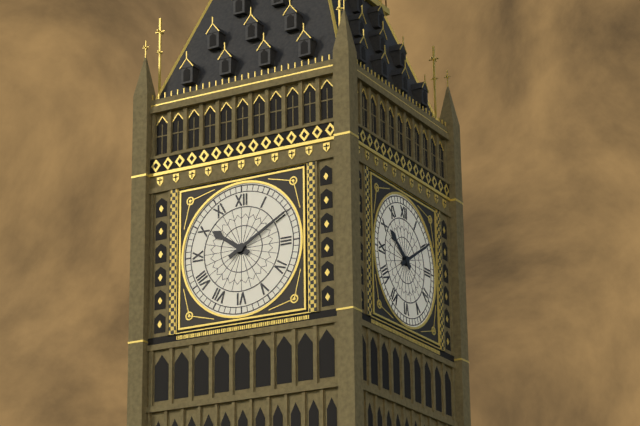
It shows h=10 m=10
